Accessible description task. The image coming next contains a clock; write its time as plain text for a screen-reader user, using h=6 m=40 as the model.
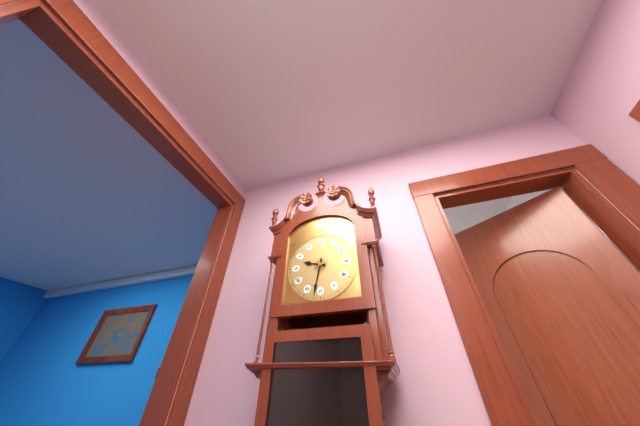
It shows h=9 m=32
